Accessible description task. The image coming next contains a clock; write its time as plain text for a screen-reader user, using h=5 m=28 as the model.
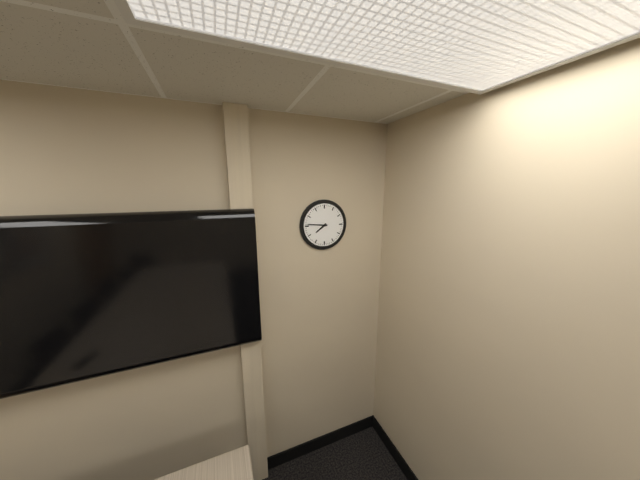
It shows h=7 m=46
